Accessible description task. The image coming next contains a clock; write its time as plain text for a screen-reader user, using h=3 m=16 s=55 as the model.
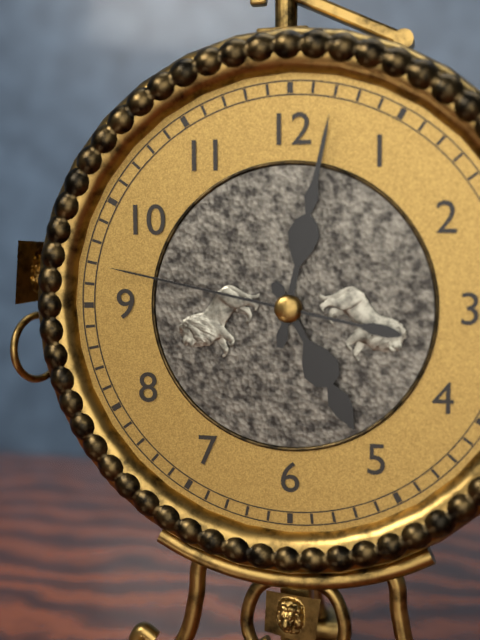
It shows h=5 m=2 s=47
